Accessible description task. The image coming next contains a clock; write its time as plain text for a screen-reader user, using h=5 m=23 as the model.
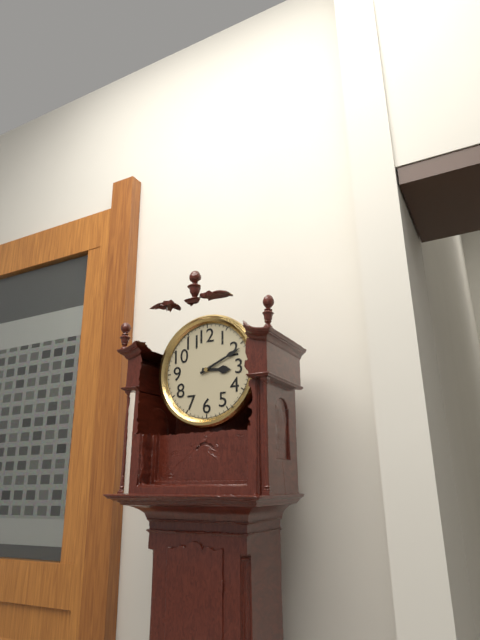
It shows h=3 m=11
